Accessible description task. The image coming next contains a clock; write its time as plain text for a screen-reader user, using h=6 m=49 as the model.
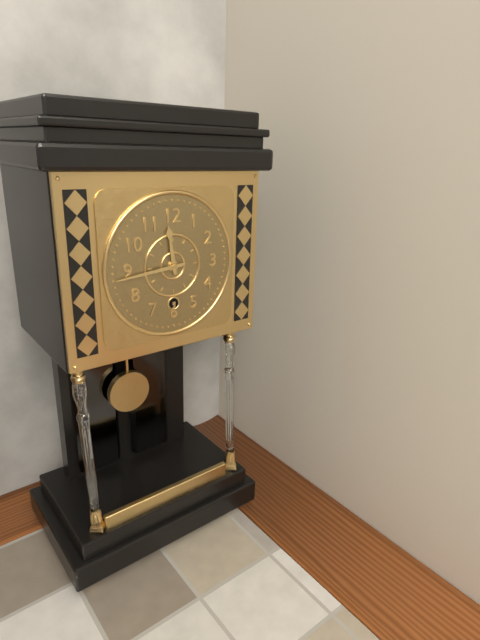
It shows h=11 m=44
